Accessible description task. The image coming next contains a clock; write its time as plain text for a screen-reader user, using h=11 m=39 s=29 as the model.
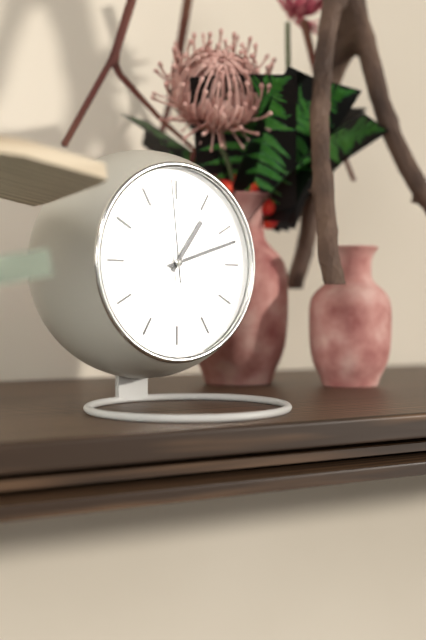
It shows h=1 m=12 s=59
